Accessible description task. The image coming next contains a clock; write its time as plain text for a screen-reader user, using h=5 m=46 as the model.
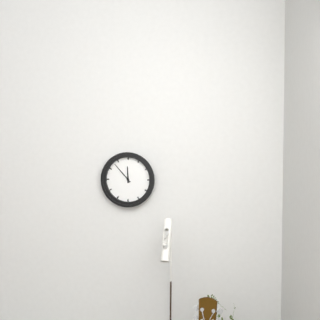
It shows h=11 m=53
